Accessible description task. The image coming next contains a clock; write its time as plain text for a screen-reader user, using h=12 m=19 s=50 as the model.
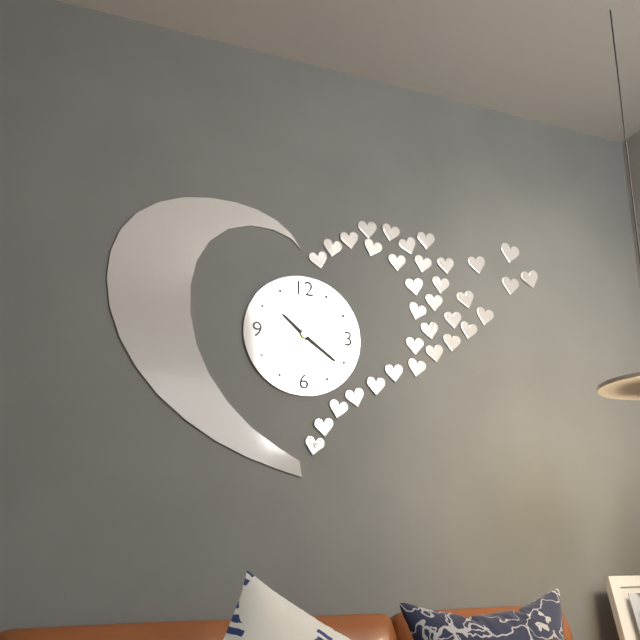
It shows h=10 m=21 s=58
